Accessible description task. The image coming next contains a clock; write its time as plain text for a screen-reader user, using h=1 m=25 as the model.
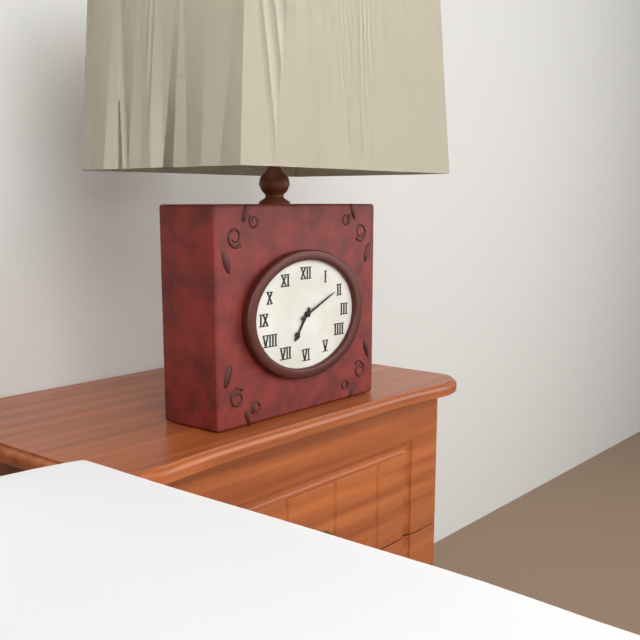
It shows h=7 m=11
